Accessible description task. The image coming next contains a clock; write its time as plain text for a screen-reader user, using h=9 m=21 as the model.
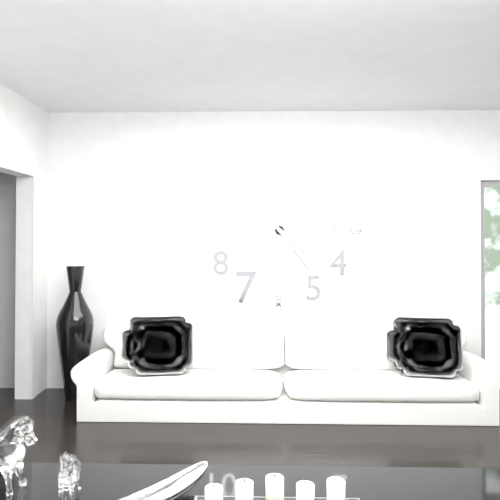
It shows h=4 m=24
